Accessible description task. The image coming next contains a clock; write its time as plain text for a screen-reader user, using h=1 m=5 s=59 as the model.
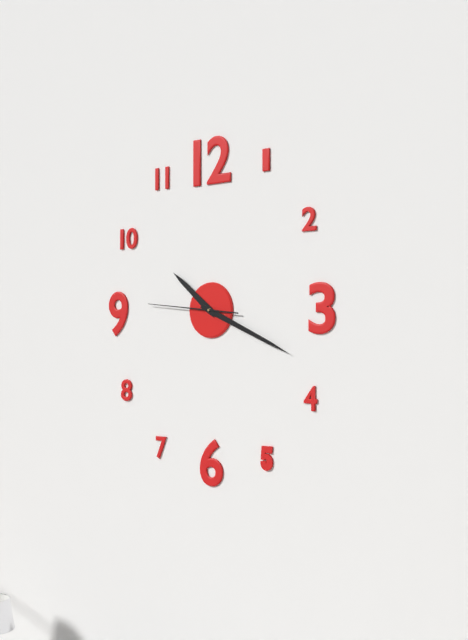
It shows h=10 m=19 s=46
